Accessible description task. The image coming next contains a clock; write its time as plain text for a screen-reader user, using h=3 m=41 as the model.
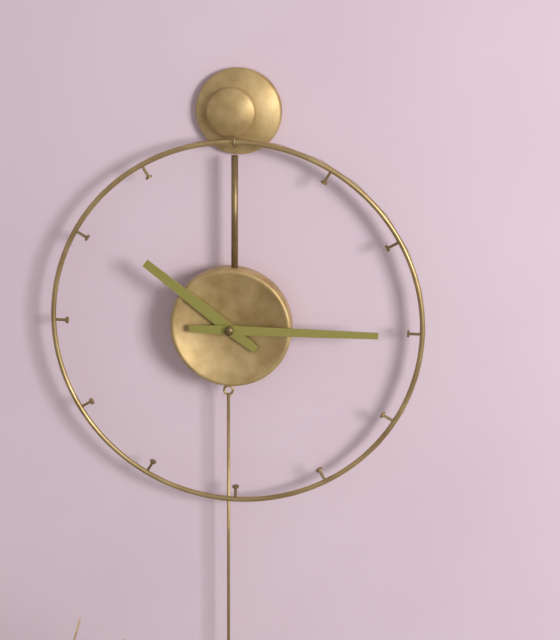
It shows h=10 m=15
